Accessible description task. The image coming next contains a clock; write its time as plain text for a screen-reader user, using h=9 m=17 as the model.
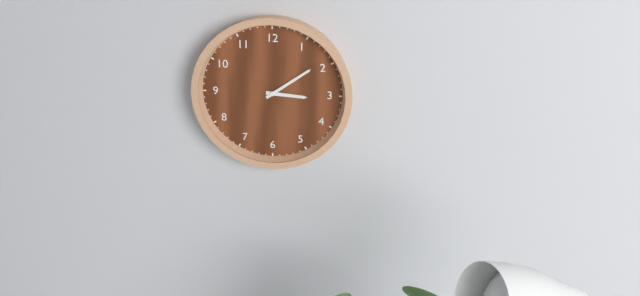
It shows h=3 m=9
